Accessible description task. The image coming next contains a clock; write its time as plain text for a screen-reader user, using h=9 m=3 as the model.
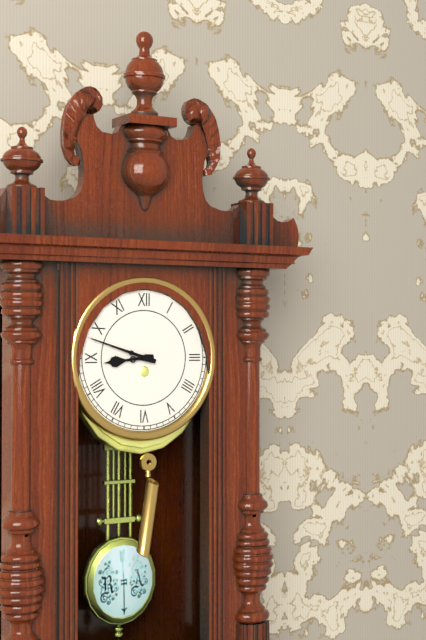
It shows h=8 m=48
